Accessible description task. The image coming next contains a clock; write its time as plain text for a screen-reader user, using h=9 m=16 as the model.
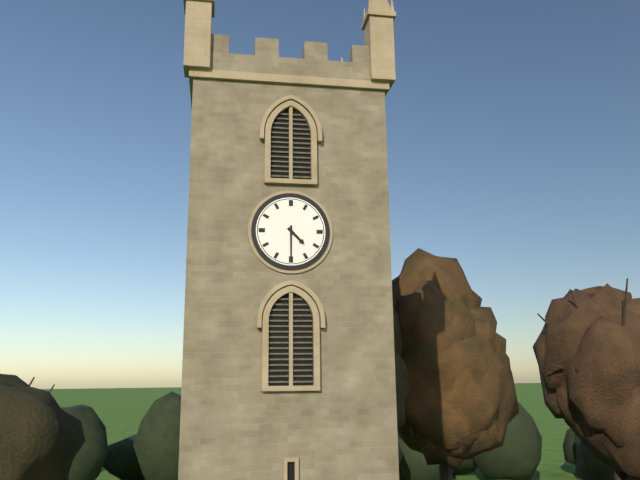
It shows h=4 m=30
